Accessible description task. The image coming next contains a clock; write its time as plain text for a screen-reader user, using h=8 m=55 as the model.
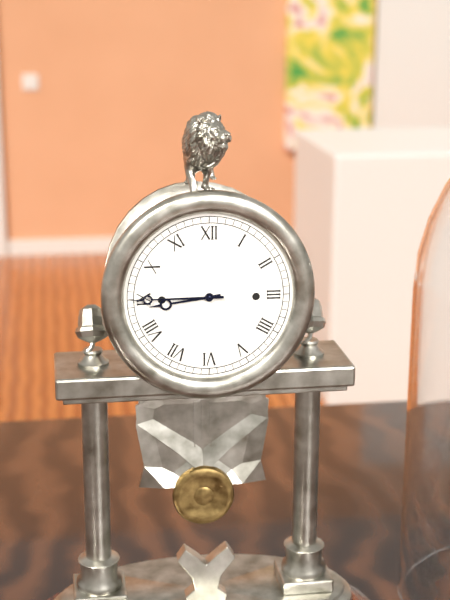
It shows h=8 m=45
